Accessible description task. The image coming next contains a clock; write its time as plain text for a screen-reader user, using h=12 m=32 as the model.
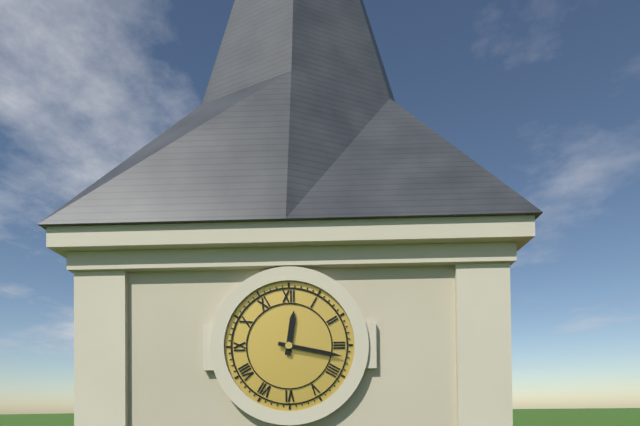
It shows h=12 m=17
